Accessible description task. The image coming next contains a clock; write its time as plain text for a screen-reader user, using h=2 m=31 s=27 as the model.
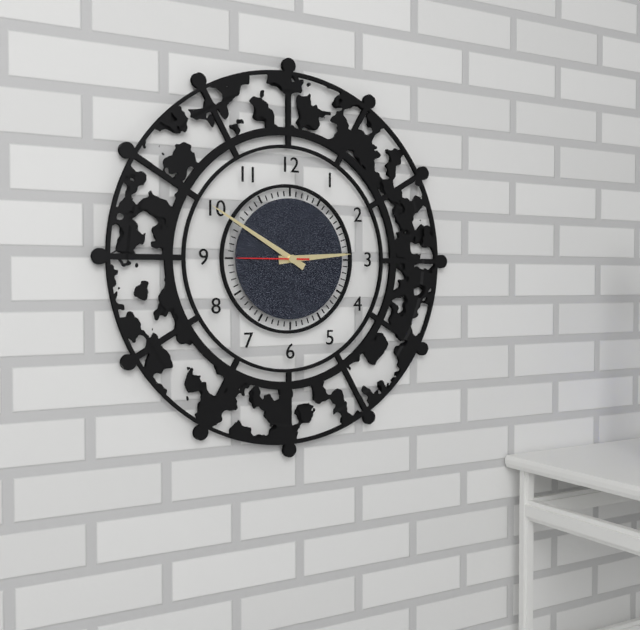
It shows h=2 m=50 s=45
